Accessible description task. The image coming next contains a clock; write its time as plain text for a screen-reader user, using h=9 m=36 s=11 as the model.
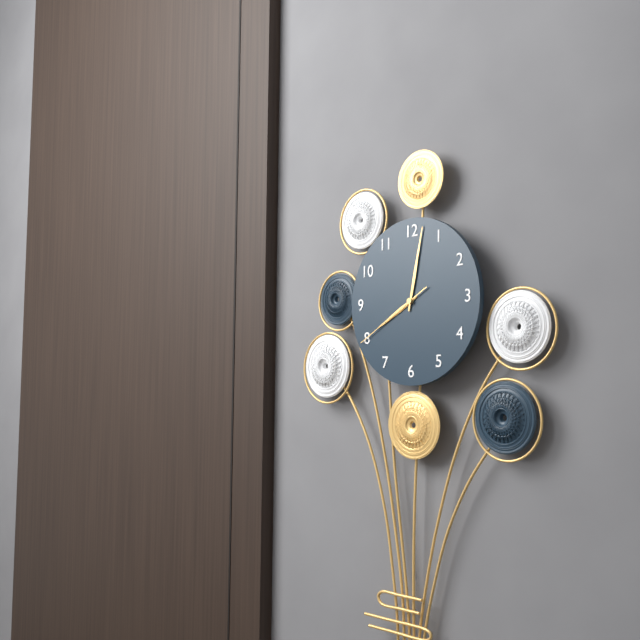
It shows h=8 m=2 s=40
